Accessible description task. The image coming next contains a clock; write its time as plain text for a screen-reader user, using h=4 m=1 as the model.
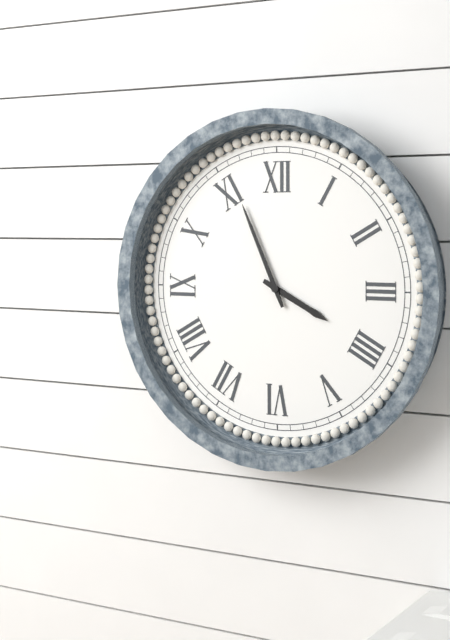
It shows h=3 m=56
